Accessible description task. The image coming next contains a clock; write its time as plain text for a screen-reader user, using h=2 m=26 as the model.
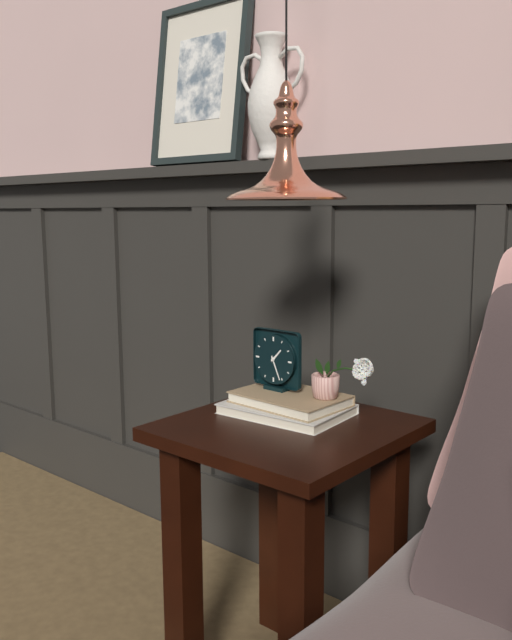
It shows h=1 m=26
